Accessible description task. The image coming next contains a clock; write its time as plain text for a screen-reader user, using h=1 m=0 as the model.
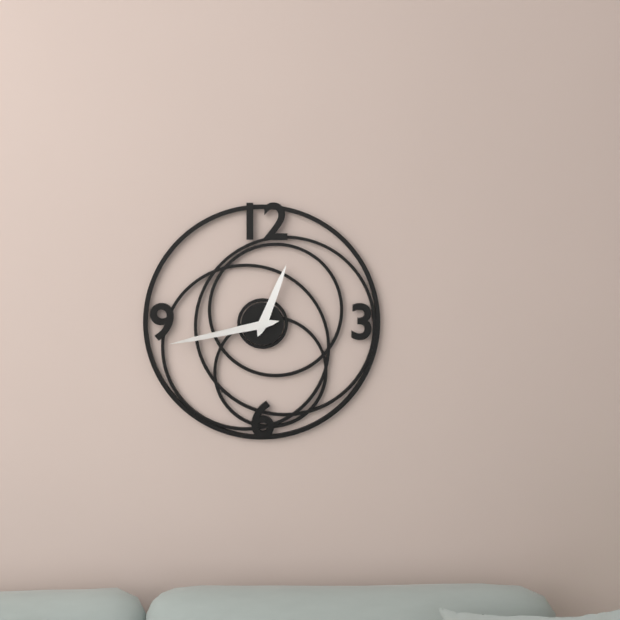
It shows h=12 m=43
